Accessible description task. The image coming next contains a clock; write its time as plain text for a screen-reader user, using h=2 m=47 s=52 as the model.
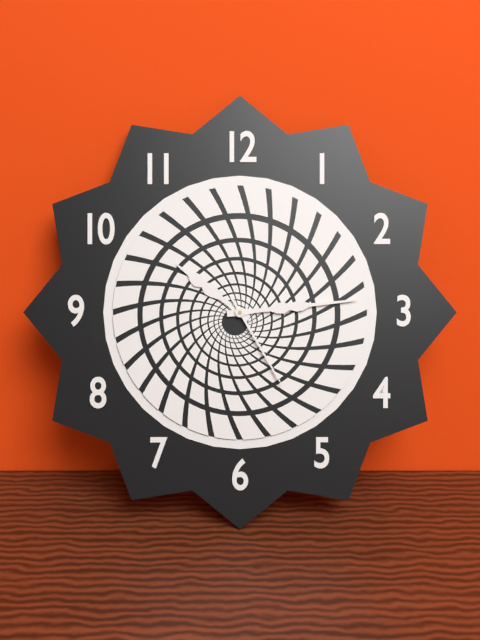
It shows h=10 m=14 s=25
